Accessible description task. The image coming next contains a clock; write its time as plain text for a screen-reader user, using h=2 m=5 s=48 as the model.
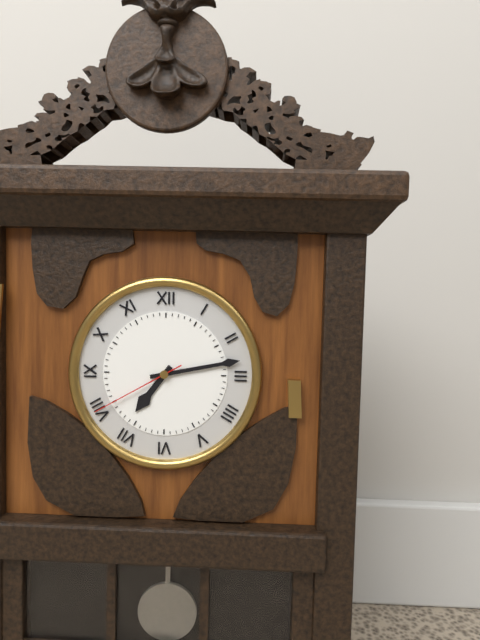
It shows h=7 m=13 s=40
